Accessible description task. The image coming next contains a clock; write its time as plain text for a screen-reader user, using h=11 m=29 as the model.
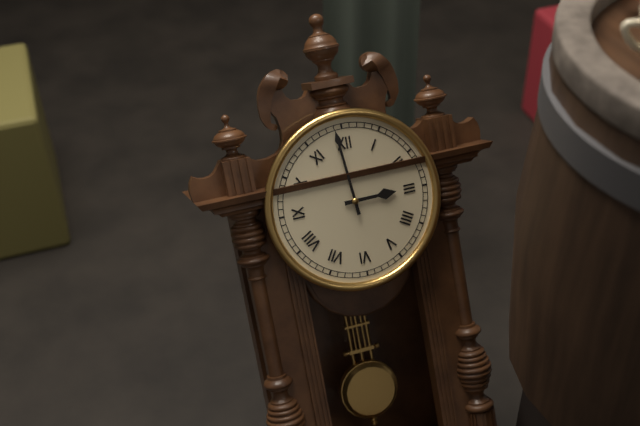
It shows h=2 m=59
